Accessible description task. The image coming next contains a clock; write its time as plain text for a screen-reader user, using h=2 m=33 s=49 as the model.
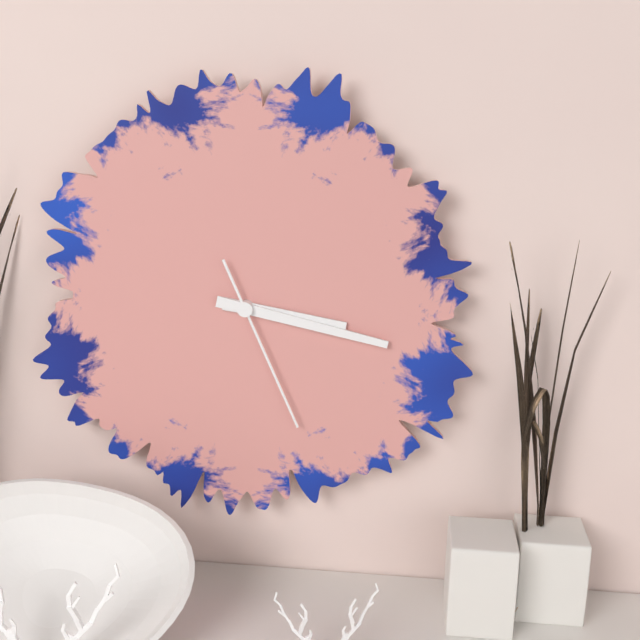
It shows h=3 m=17 s=26
